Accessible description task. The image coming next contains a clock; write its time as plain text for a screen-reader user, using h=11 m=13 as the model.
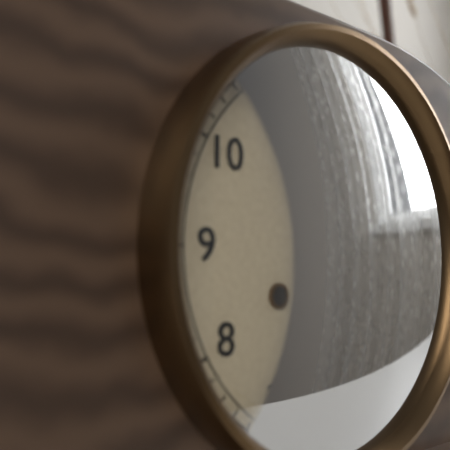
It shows h=11 m=11
